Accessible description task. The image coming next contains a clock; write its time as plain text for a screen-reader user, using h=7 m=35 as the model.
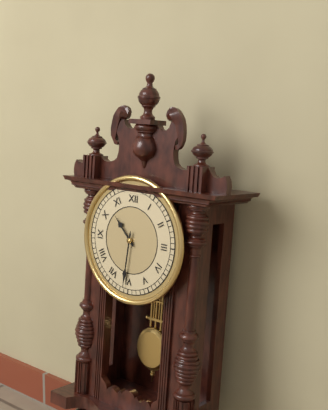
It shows h=10 m=31
